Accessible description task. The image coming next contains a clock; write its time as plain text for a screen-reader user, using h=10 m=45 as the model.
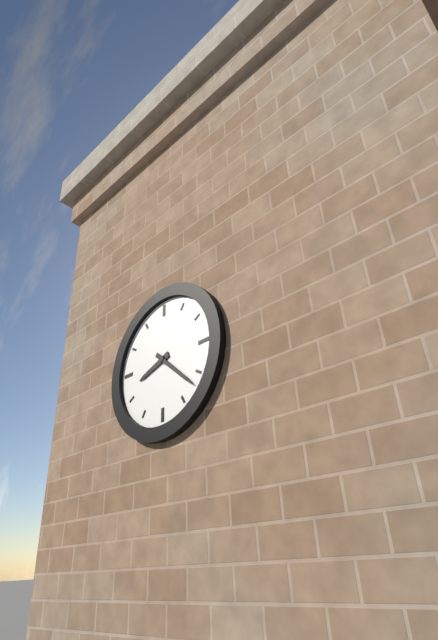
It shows h=8 m=22
